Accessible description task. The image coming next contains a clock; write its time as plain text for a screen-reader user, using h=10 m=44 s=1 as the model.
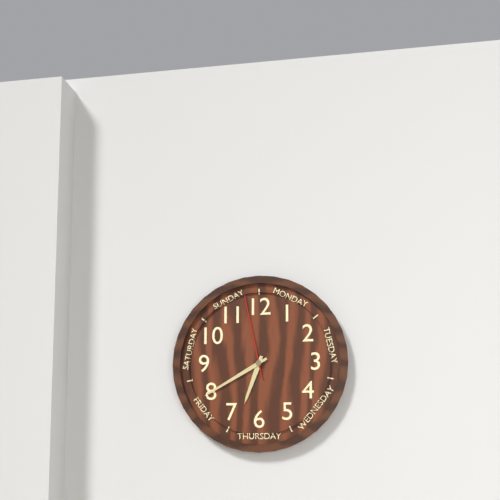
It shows h=6 m=40 s=58
